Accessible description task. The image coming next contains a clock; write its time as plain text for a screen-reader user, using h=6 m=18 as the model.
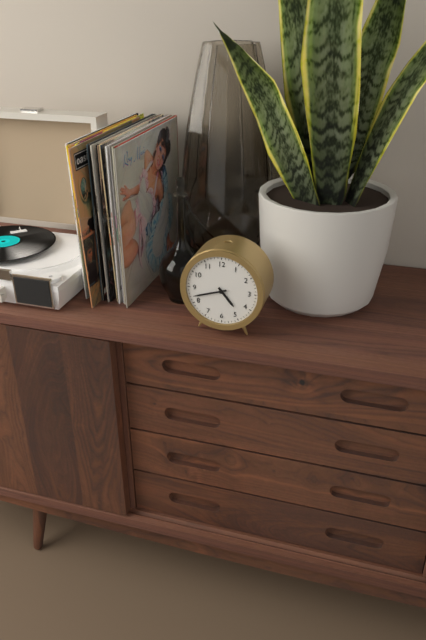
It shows h=4 m=42
